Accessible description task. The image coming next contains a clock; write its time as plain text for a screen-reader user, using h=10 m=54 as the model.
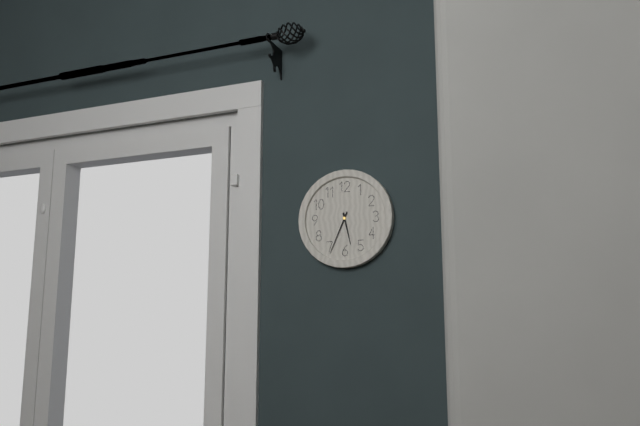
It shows h=5 m=34
